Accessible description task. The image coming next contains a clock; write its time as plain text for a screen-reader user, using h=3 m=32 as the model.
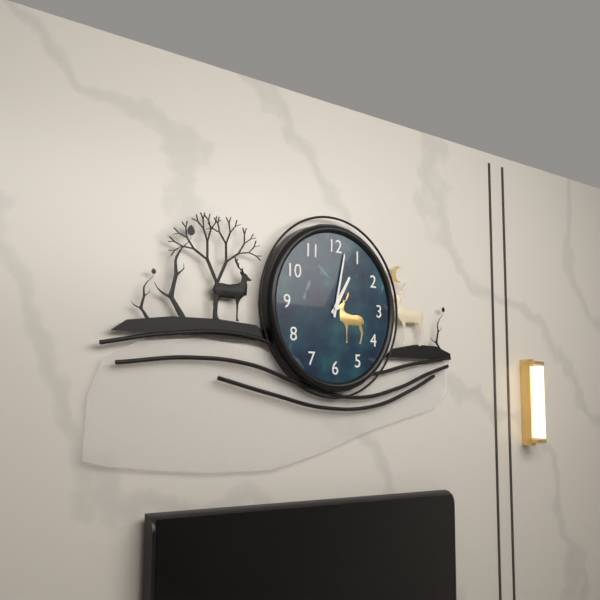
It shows h=1 m=2
